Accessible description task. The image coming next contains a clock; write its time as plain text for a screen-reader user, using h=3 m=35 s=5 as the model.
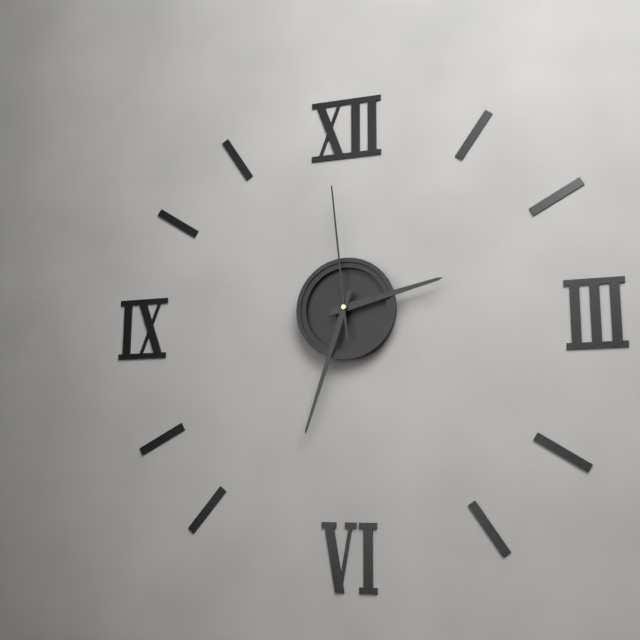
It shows h=2 m=33 s=59
